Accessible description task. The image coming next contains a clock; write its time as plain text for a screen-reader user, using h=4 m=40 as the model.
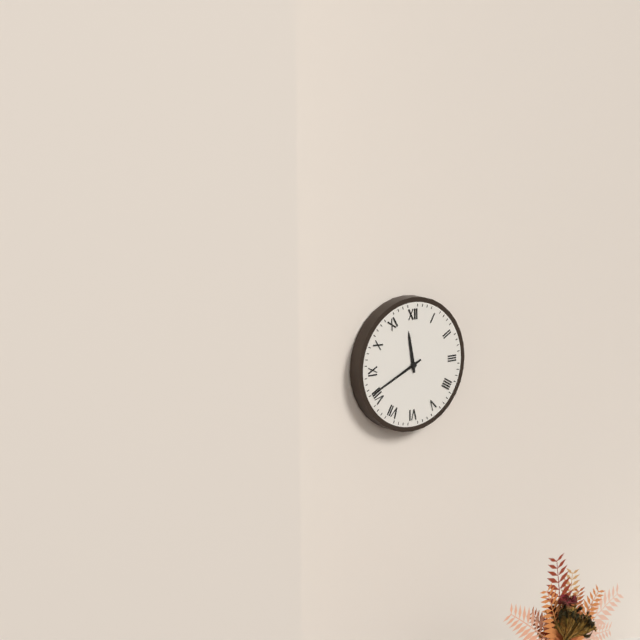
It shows h=11 m=41
